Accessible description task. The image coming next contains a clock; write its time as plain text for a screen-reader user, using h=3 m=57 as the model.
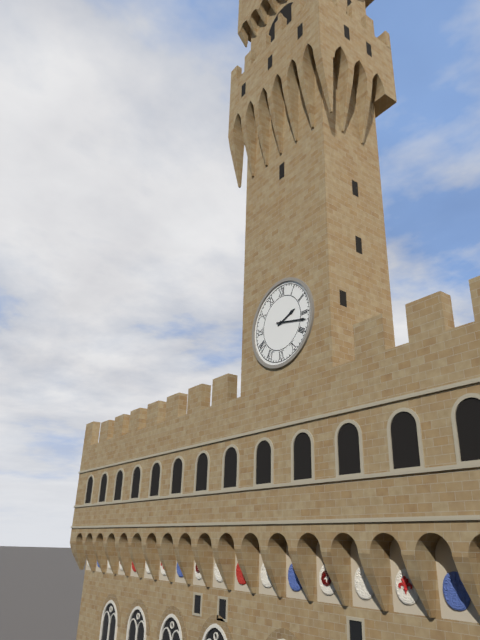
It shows h=2 m=17
